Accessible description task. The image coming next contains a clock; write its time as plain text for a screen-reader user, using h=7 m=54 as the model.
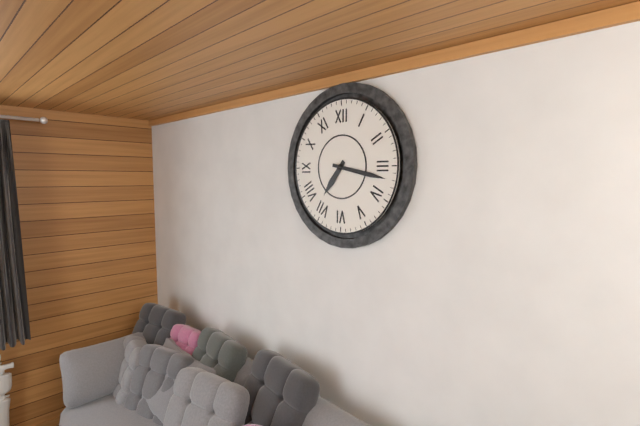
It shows h=7 m=17
